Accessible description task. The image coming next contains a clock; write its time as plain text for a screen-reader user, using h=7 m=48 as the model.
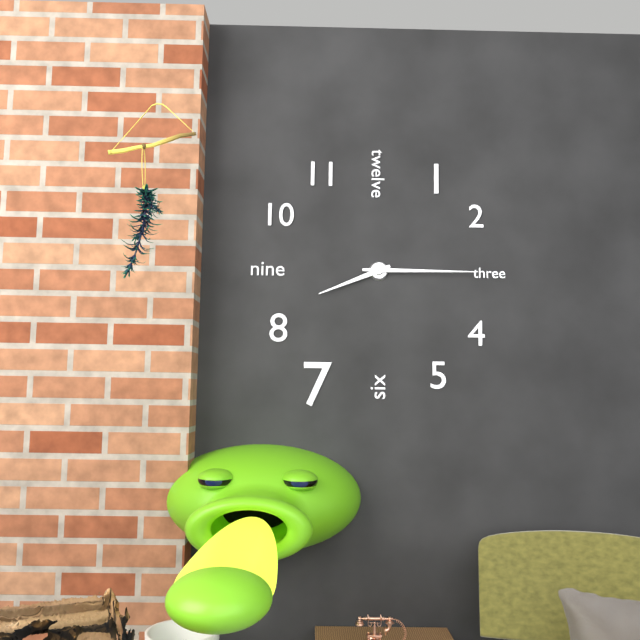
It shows h=8 m=15
